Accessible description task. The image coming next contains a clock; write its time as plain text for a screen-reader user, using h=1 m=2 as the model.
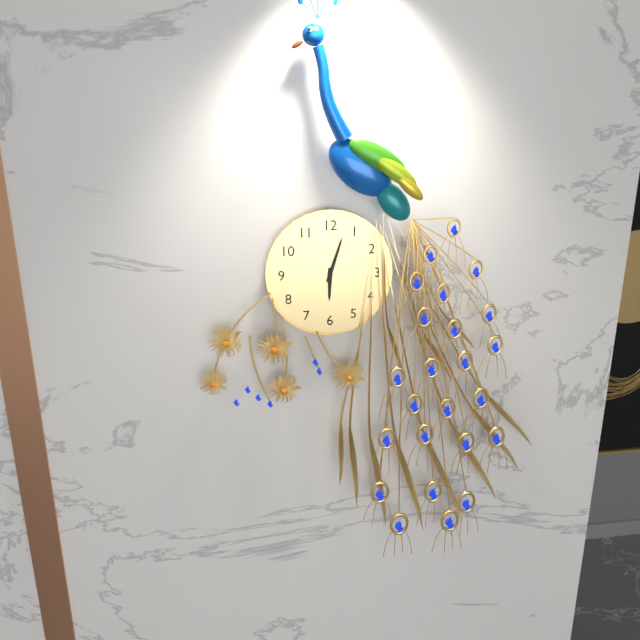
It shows h=6 m=3
